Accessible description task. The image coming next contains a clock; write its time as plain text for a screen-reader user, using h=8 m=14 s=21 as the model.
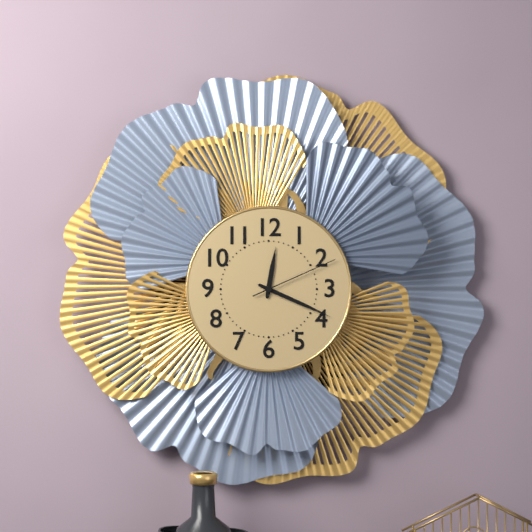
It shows h=12 m=19 s=11
